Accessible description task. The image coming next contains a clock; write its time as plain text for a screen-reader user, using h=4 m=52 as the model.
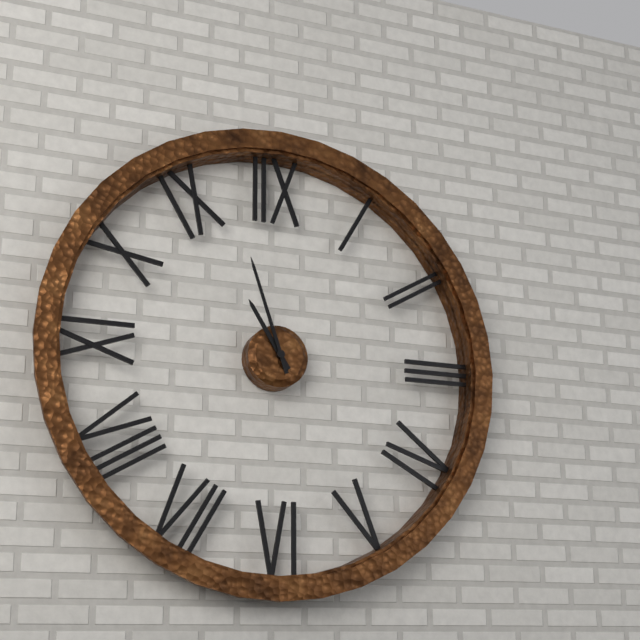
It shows h=10 m=57
